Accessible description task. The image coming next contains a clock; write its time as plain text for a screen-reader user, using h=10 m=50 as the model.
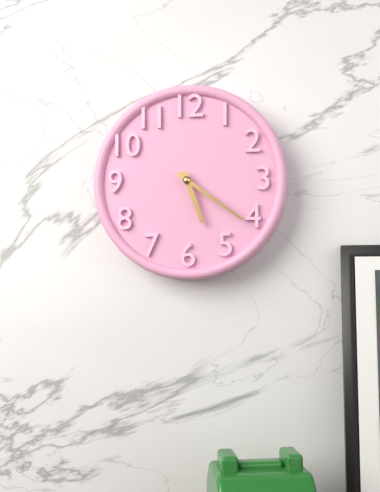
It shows h=5 m=21
